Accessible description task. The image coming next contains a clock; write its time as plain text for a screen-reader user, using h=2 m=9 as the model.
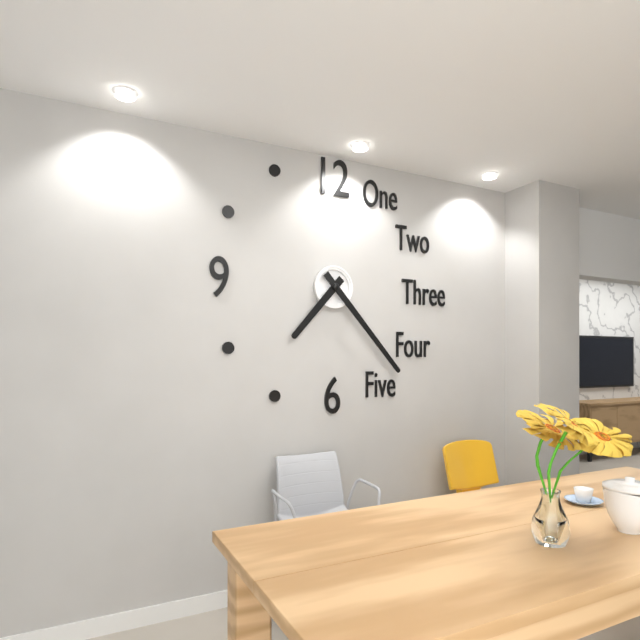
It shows h=7 m=23
